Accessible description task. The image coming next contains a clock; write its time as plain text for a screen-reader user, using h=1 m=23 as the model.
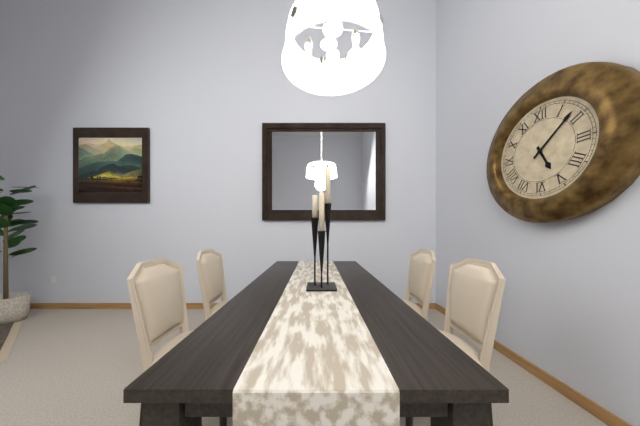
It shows h=5 m=8
